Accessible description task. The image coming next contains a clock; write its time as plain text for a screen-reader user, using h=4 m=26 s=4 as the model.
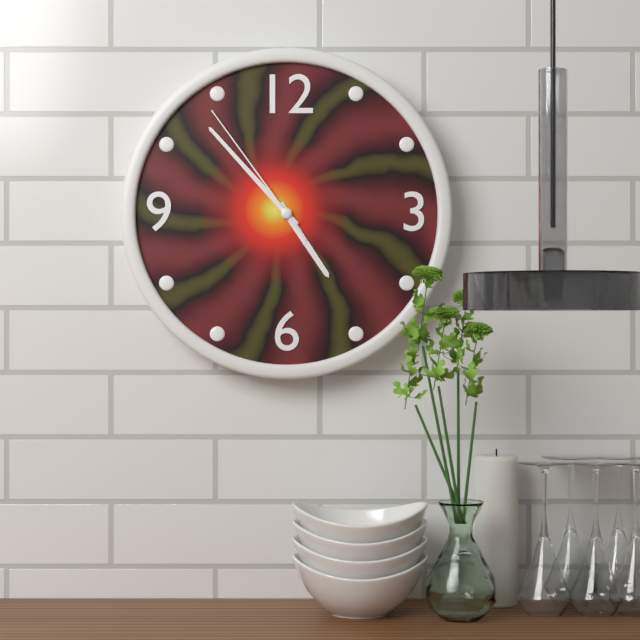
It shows h=4 m=53 s=54
